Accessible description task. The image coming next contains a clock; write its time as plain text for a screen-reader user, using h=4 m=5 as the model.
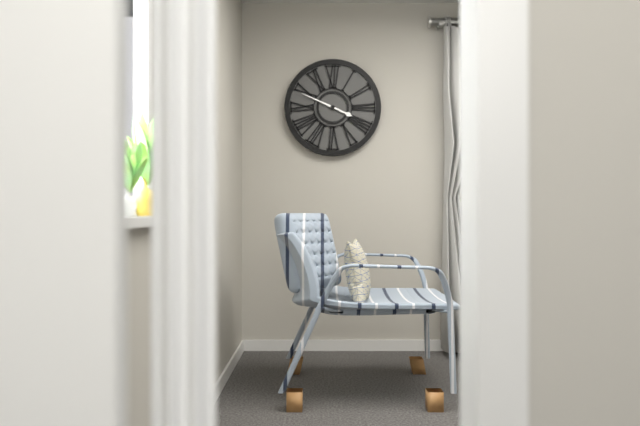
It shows h=3 m=49
